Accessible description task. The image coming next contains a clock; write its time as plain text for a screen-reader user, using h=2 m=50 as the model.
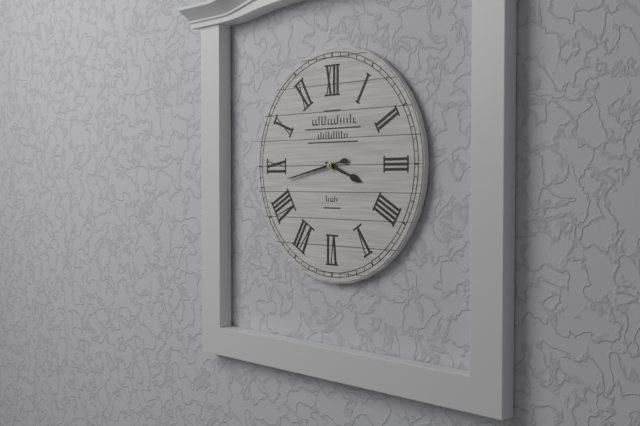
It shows h=3 m=43
